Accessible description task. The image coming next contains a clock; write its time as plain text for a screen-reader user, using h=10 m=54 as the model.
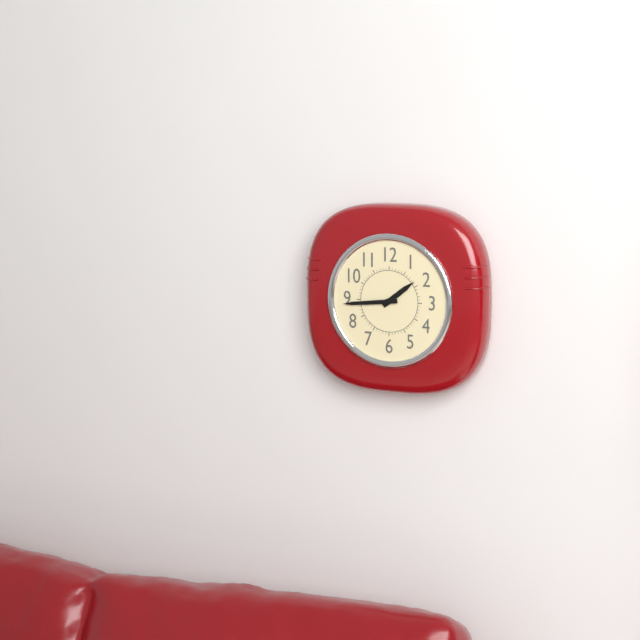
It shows h=1 m=44
